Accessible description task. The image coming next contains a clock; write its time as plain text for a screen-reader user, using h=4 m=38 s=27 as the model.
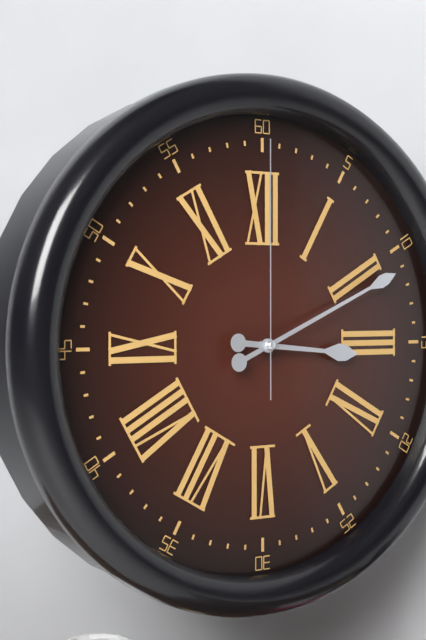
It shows h=3 m=11 s=0
